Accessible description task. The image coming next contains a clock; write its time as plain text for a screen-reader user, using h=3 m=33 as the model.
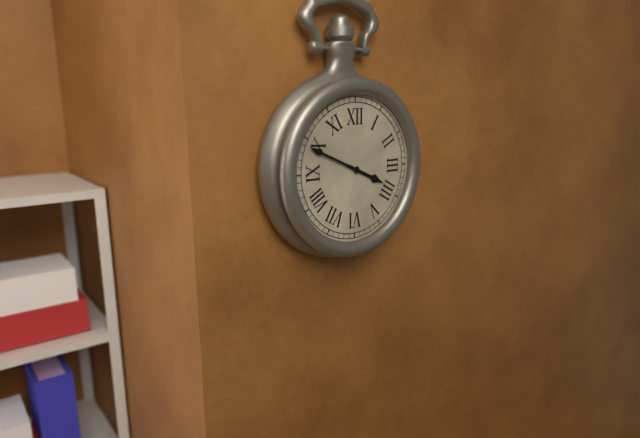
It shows h=3 m=49
